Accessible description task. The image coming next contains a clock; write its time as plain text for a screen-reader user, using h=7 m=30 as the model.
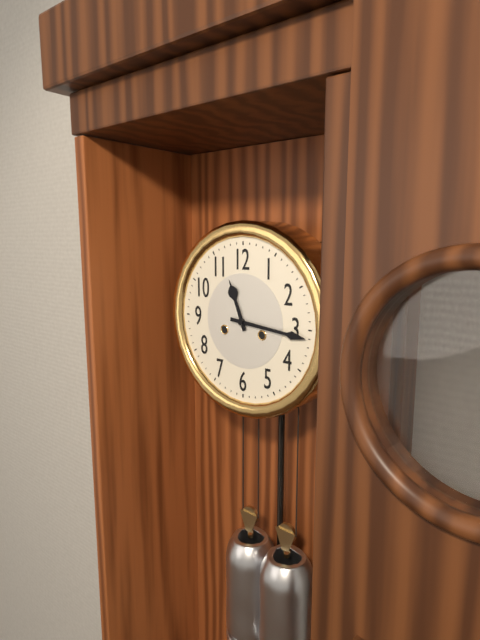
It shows h=11 m=16
